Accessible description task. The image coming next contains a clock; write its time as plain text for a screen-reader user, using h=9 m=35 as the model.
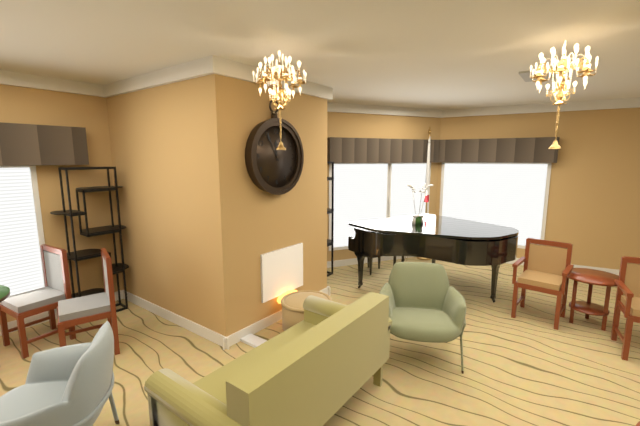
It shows h=11 m=55
